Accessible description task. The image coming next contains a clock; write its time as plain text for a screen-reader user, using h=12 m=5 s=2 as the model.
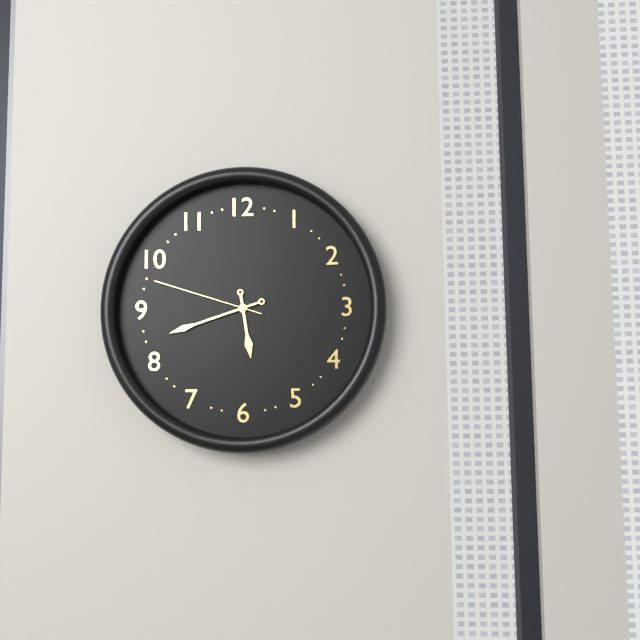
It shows h=5 m=42 s=48
